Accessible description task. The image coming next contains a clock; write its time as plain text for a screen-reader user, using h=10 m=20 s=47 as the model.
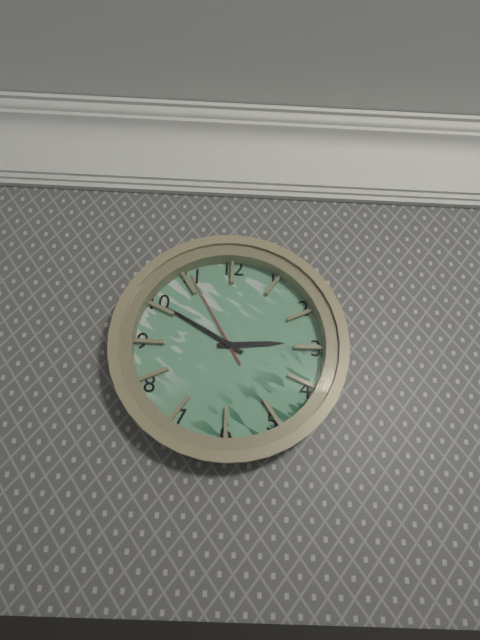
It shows h=2 m=50 s=55
